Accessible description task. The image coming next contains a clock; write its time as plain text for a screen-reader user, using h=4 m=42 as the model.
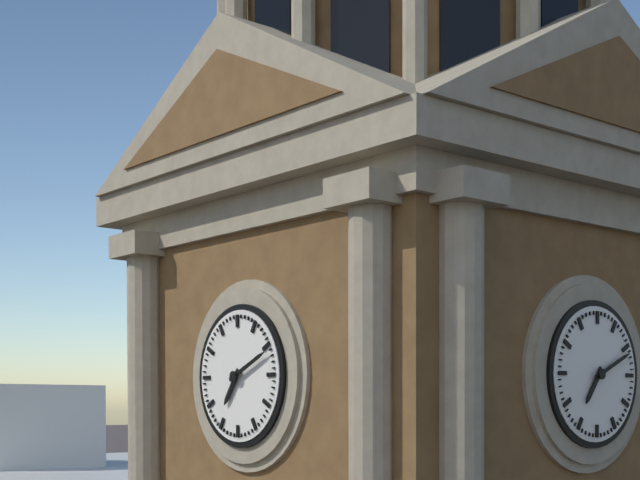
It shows h=7 m=11
